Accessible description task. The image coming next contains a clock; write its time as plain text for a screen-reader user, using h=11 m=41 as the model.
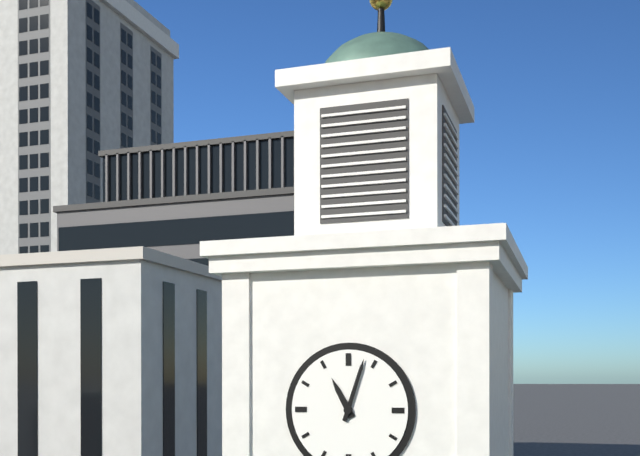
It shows h=11 m=3
